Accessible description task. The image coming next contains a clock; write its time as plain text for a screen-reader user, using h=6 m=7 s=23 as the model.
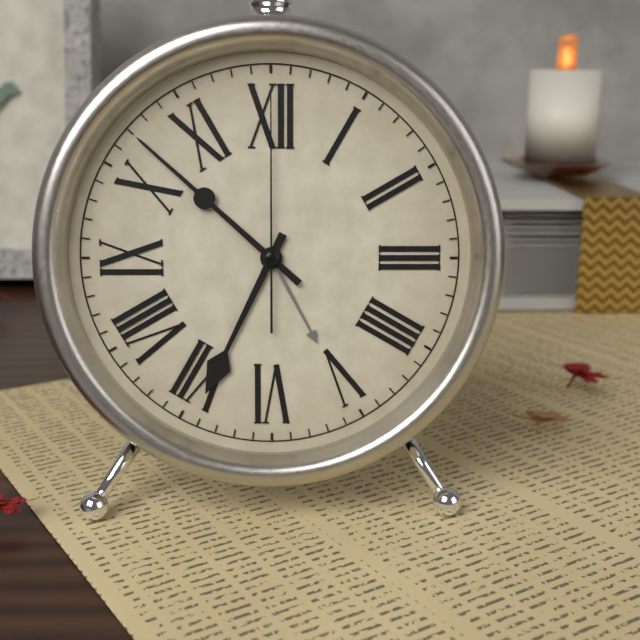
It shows h=6 m=52 s=0
